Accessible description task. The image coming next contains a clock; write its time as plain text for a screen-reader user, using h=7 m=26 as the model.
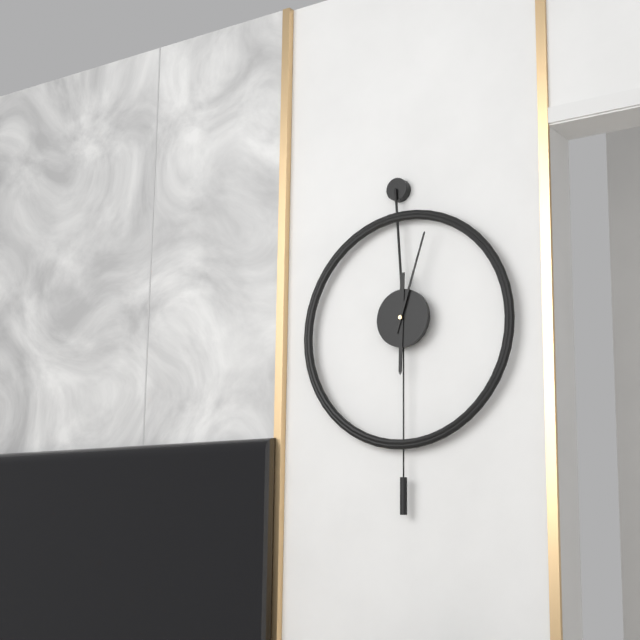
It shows h=6 m=3
